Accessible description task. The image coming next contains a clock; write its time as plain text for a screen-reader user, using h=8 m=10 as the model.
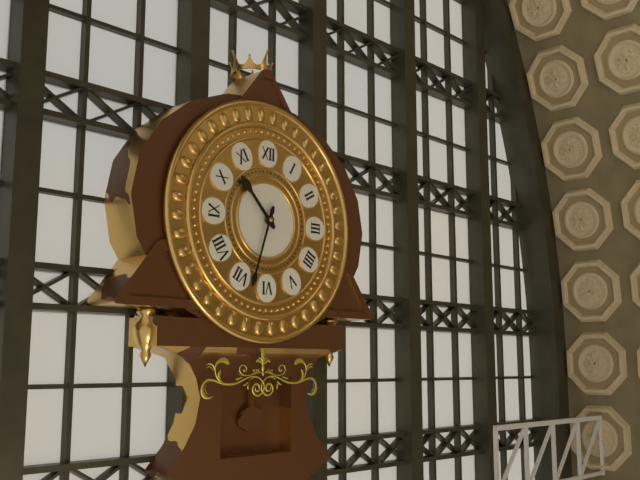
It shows h=10 m=33
